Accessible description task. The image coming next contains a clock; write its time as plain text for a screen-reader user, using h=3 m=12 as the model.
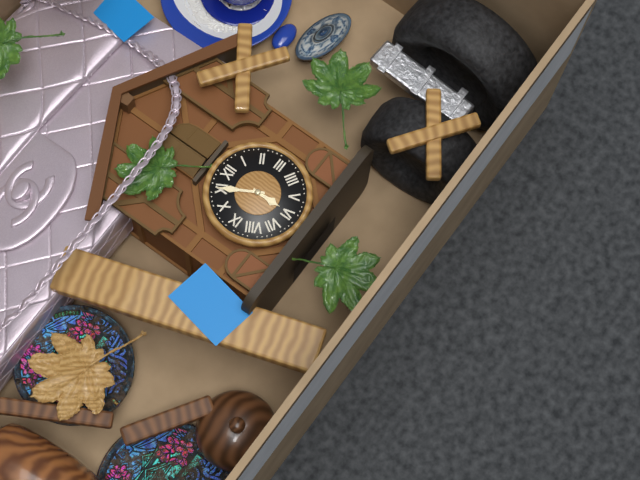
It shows h=5 m=55
